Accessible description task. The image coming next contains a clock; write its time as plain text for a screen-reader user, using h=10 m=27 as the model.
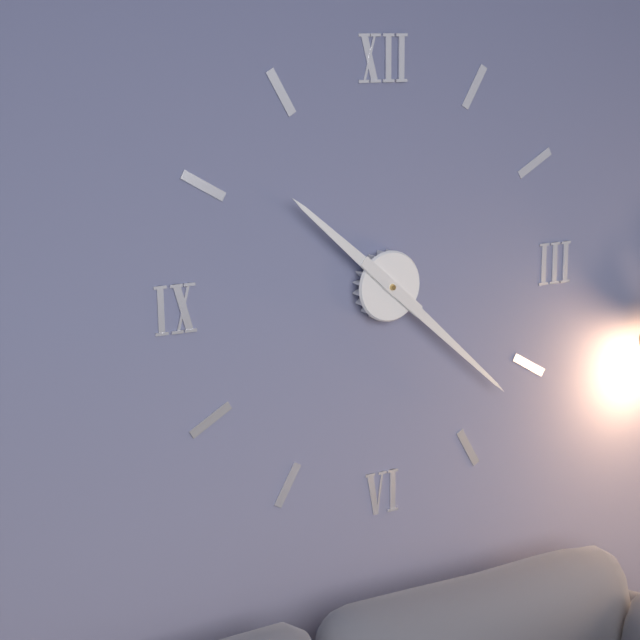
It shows h=10 m=22
